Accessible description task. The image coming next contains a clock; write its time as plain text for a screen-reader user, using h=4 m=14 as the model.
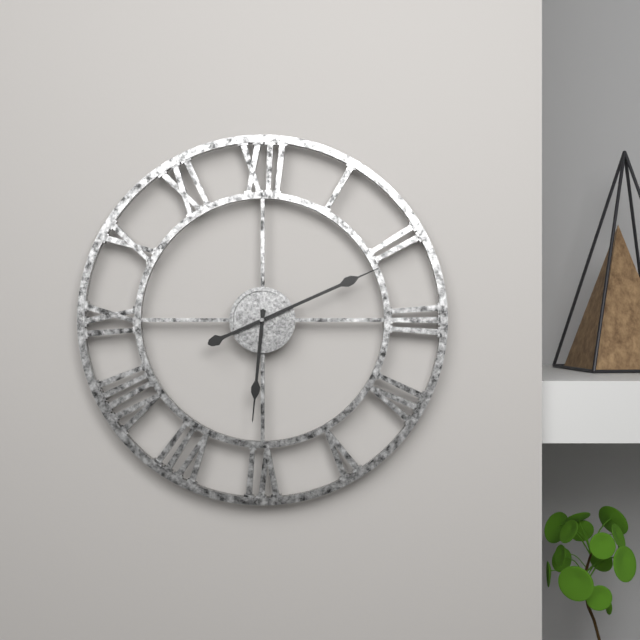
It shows h=6 m=11
